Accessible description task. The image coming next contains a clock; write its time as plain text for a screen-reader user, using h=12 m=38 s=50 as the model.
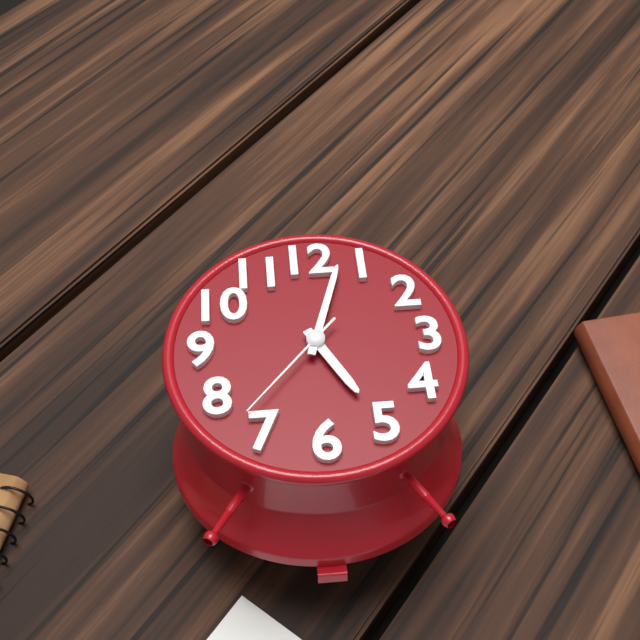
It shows h=5 m=3 s=37
